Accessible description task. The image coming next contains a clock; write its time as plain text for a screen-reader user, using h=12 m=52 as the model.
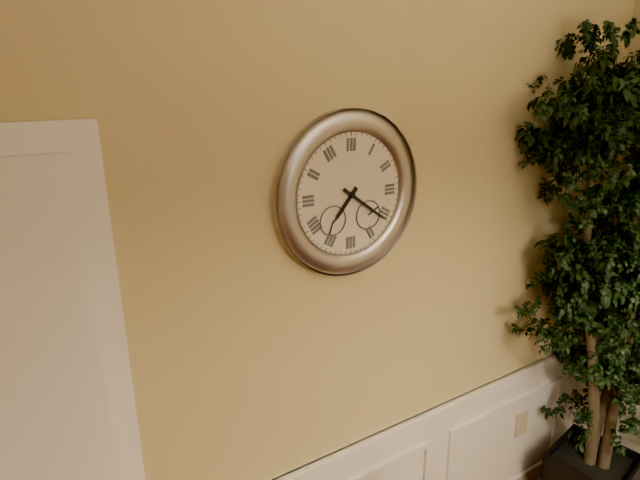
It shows h=7 m=21
